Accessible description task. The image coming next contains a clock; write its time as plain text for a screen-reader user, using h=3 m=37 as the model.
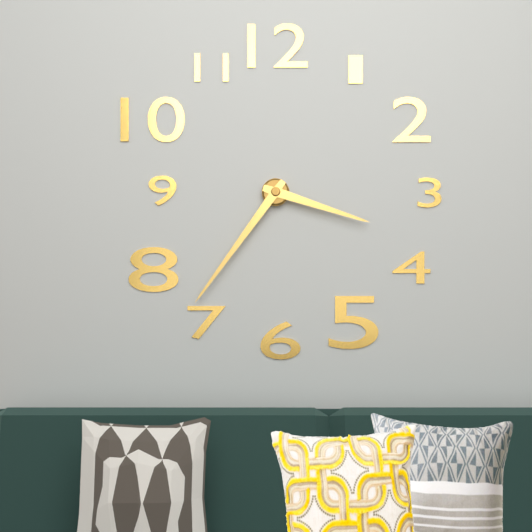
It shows h=3 m=36
